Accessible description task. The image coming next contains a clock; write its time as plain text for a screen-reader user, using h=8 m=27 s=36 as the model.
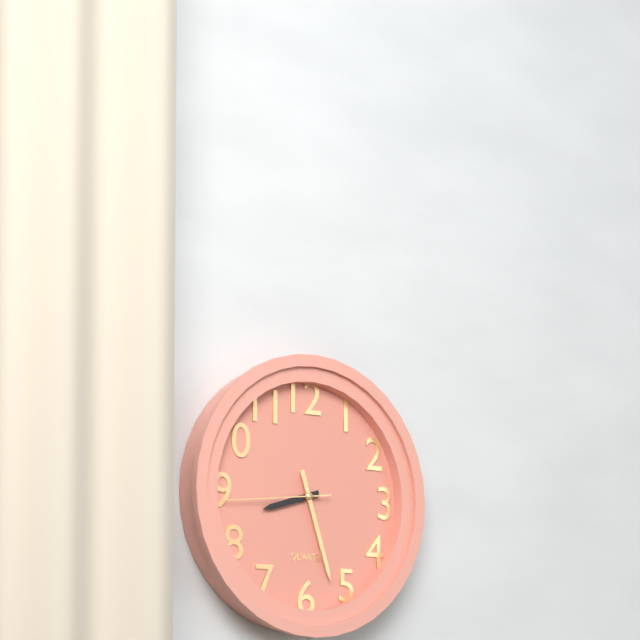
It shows h=8 m=27 s=44
